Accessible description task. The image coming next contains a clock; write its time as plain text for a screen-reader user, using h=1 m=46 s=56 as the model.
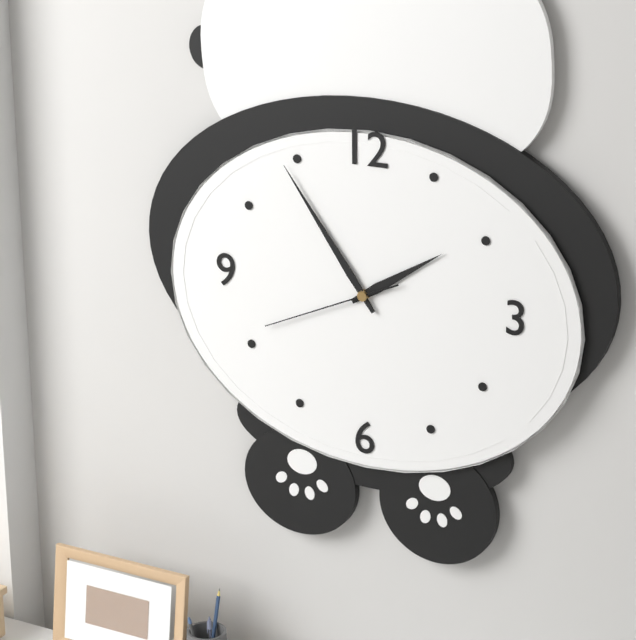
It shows h=1 m=54 s=41
